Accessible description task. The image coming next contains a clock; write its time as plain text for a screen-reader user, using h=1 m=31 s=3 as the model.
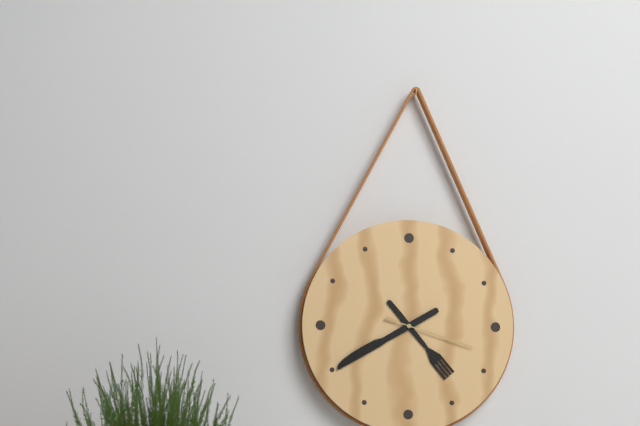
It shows h=4 m=40 s=18
